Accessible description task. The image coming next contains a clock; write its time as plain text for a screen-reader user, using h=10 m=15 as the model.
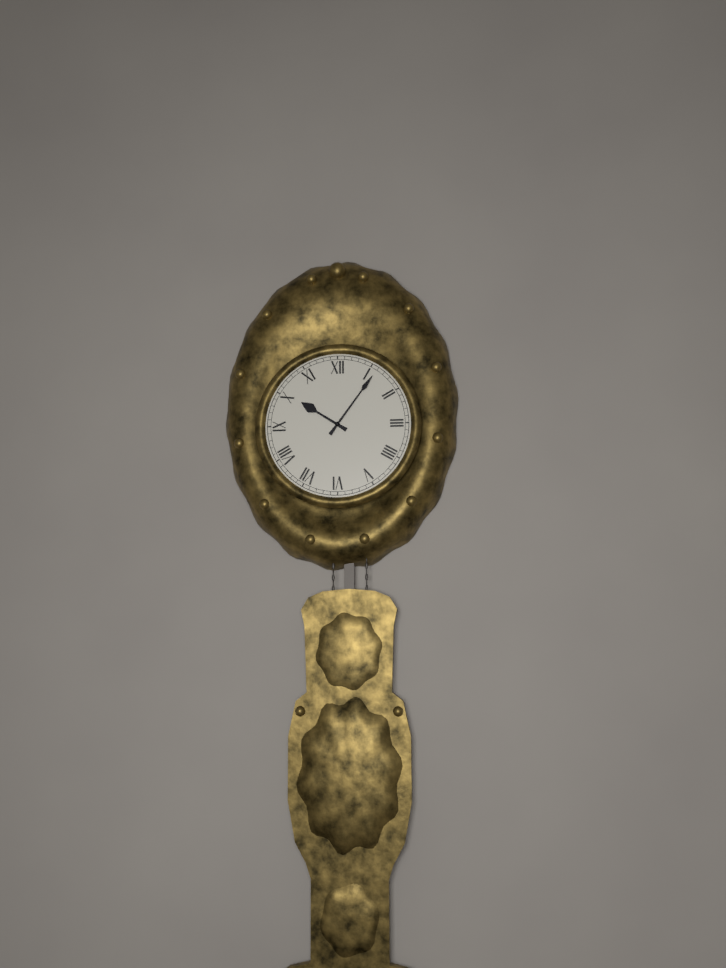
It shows h=10 m=6
